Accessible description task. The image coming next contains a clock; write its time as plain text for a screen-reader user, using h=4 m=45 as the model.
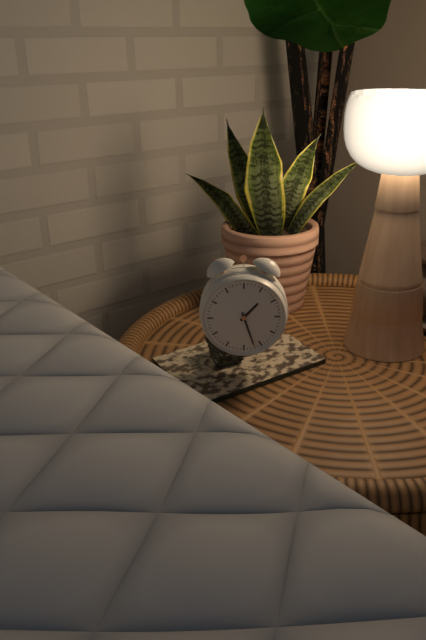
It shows h=1 m=27
